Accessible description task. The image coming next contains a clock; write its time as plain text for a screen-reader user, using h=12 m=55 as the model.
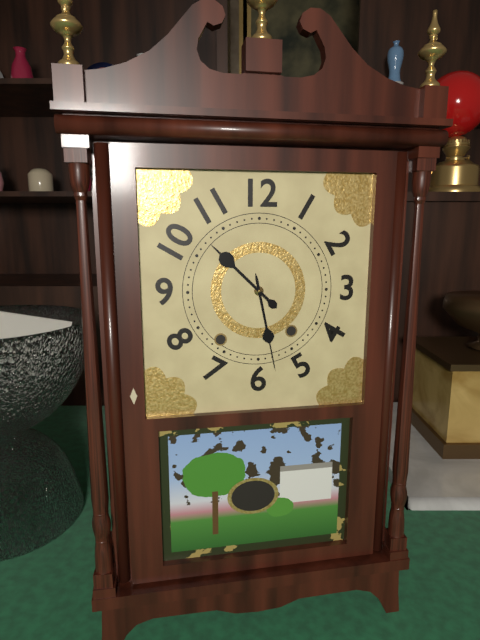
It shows h=10 m=28
